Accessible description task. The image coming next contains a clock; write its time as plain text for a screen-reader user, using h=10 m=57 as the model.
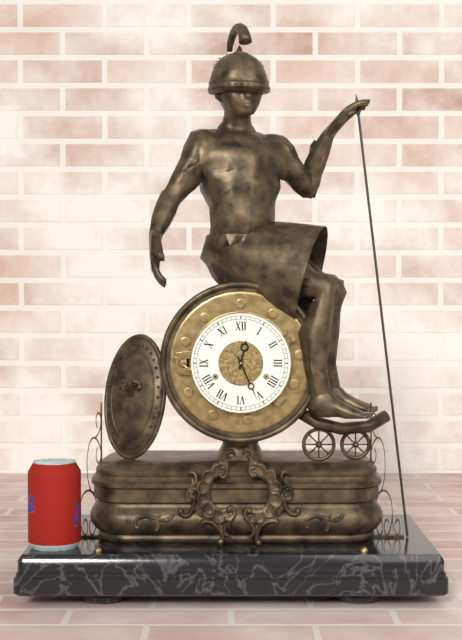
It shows h=12 m=26
